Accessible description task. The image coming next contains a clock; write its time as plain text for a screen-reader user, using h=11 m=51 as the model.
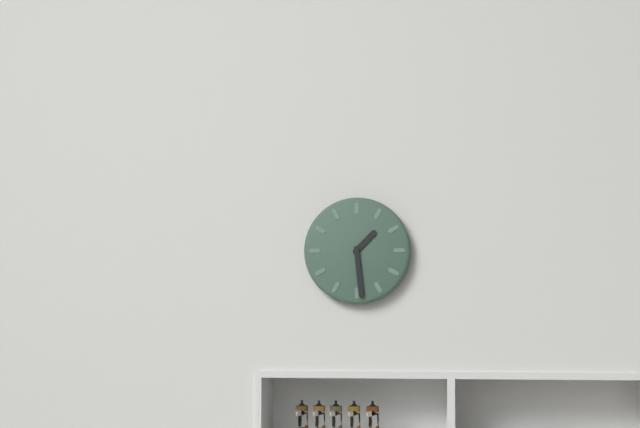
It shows h=1 m=29
